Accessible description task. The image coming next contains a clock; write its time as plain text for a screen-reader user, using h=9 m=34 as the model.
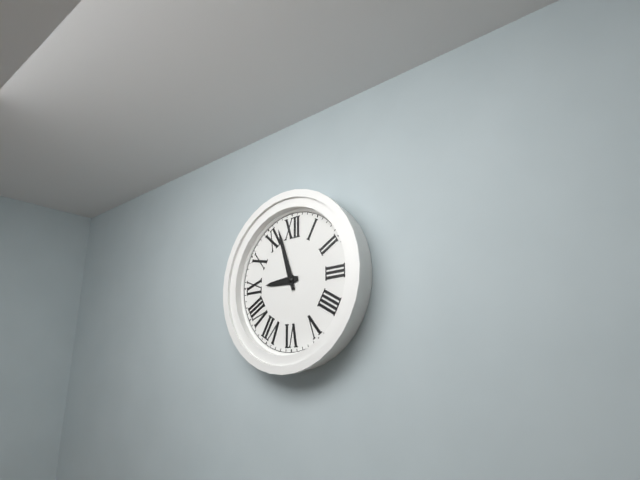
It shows h=8 m=57
